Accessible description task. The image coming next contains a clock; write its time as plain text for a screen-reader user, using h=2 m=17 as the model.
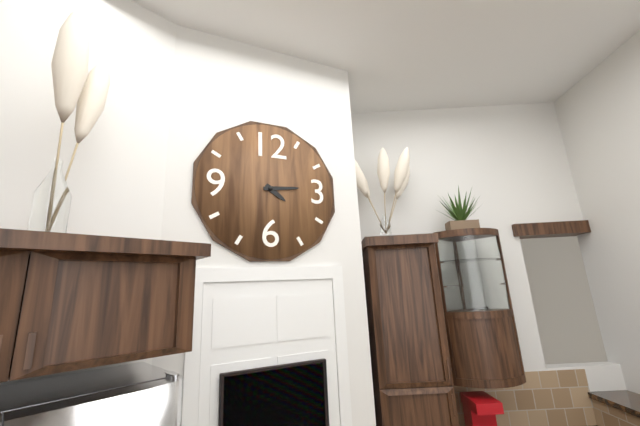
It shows h=4 m=14
